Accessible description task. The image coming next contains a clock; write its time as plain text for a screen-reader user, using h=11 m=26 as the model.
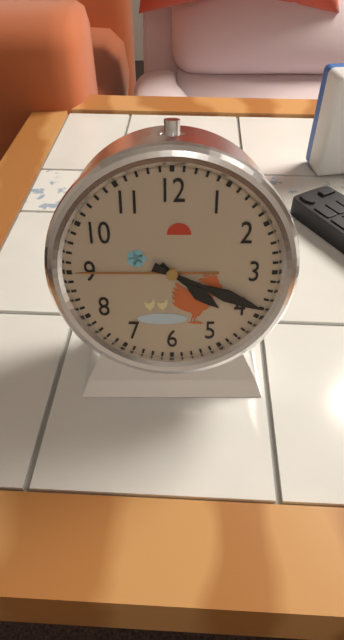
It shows h=4 m=19
